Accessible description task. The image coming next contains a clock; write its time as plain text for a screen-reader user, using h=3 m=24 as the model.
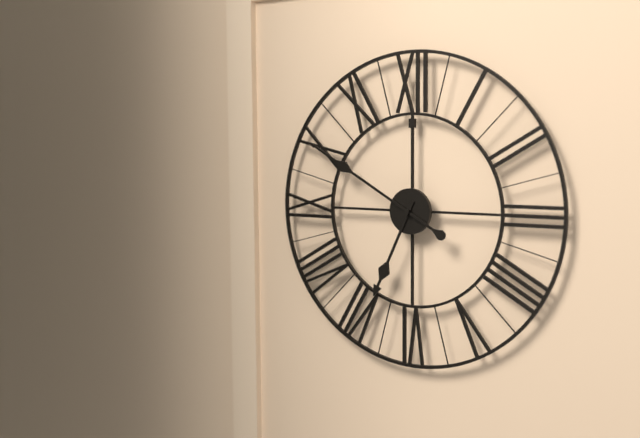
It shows h=6 m=50
